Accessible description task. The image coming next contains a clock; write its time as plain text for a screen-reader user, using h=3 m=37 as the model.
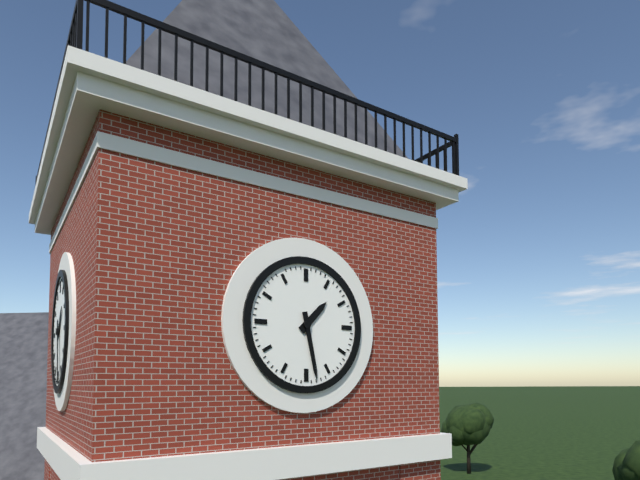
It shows h=1 m=28
